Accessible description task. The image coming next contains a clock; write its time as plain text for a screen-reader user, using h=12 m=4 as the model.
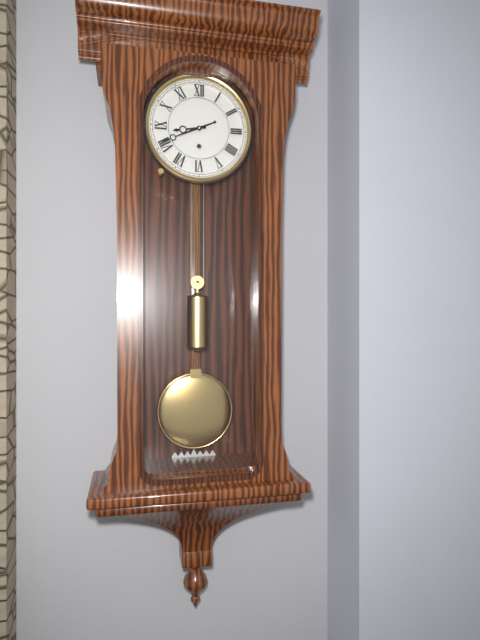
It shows h=8 m=41
